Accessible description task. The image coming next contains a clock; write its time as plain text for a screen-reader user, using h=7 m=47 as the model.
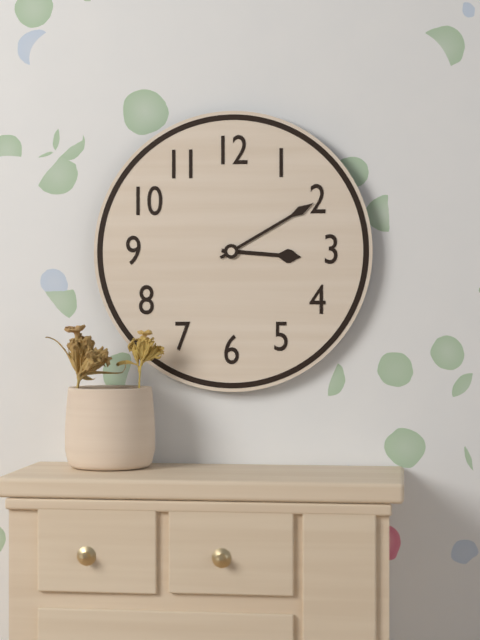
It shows h=3 m=10
